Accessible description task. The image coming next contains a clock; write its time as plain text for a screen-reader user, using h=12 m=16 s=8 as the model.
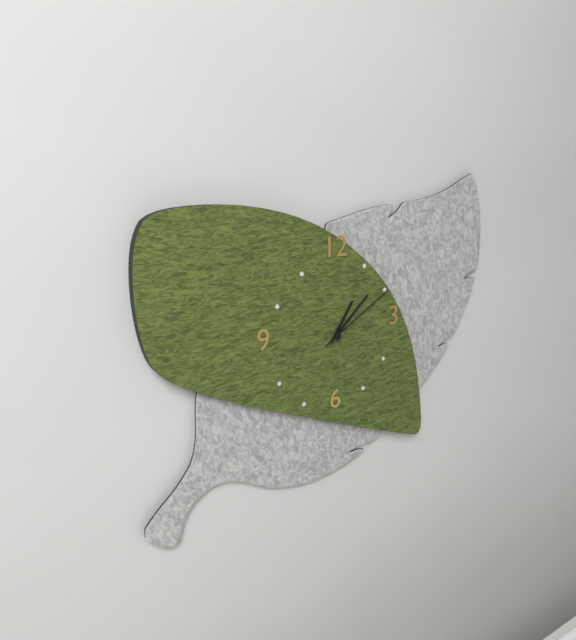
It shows h=1 m=8 s=10
